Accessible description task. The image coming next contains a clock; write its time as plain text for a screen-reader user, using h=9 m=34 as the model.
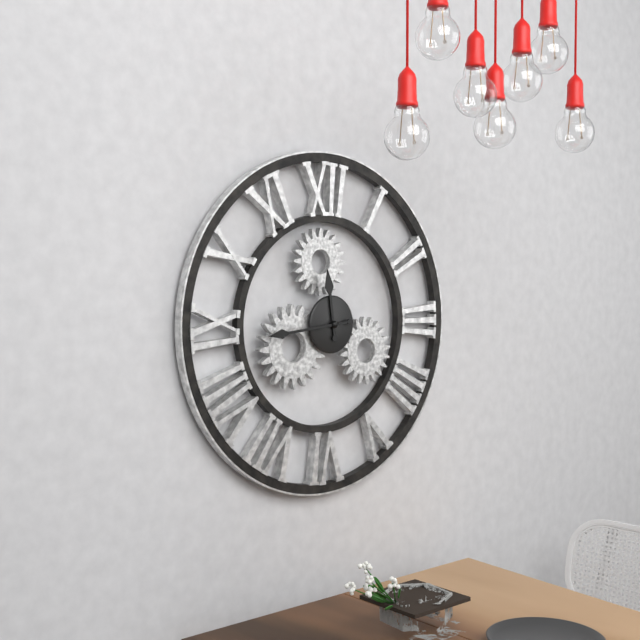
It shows h=11 m=44
